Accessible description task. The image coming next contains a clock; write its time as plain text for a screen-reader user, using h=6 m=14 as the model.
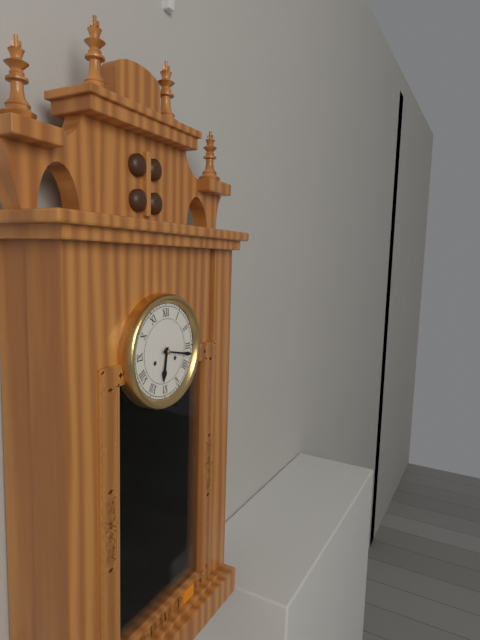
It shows h=6 m=17
